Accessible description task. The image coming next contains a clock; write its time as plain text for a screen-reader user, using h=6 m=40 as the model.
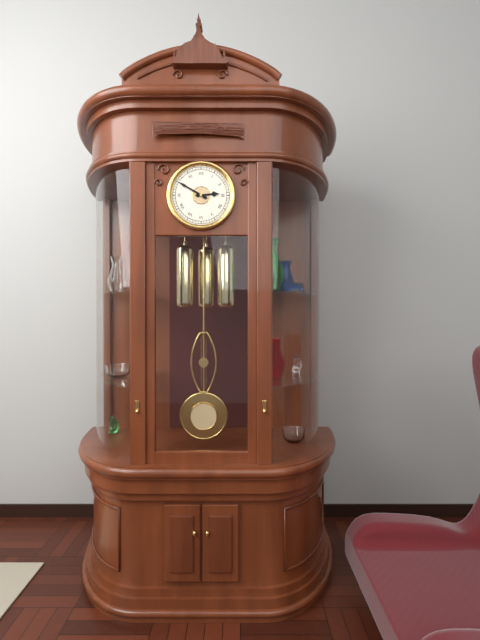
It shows h=2 m=50
